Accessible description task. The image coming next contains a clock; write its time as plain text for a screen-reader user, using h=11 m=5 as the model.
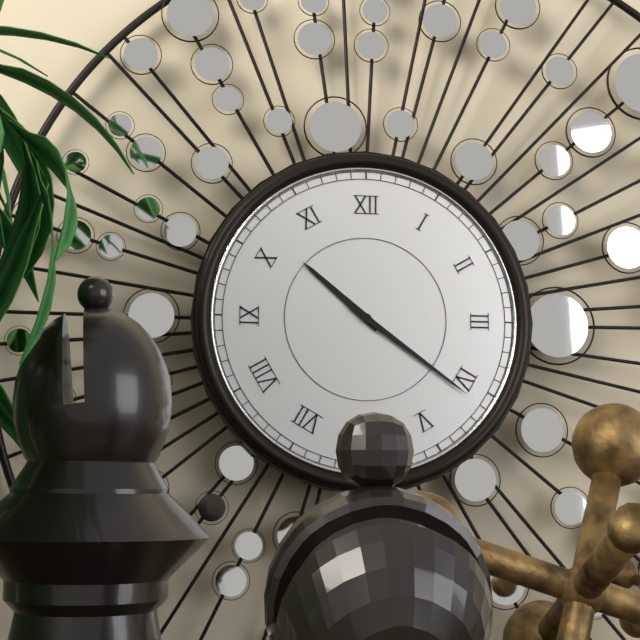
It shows h=10 m=21
